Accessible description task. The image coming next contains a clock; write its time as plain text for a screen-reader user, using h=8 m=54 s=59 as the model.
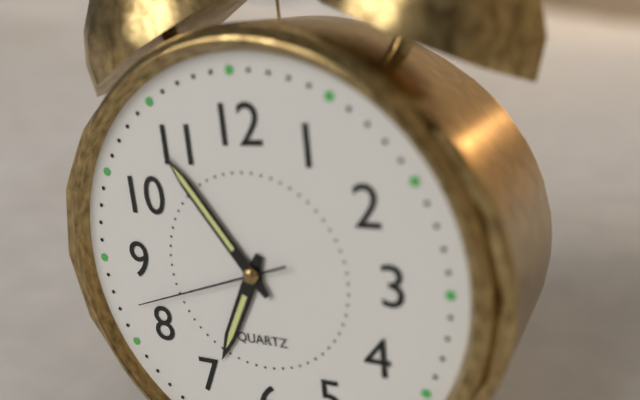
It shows h=6 m=54 s=42
